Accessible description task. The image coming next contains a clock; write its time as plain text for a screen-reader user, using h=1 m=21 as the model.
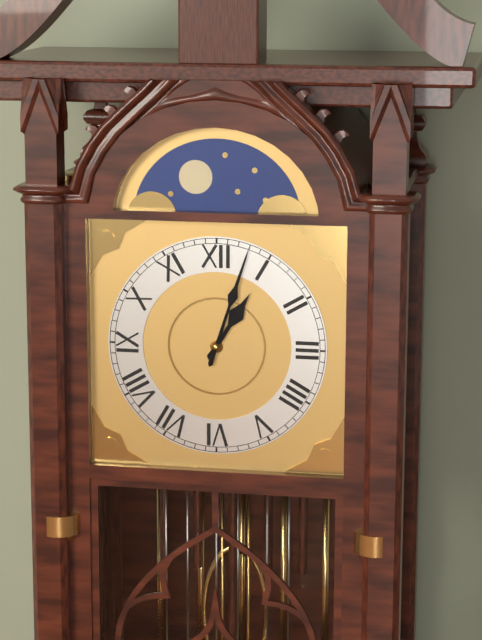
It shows h=1 m=3
